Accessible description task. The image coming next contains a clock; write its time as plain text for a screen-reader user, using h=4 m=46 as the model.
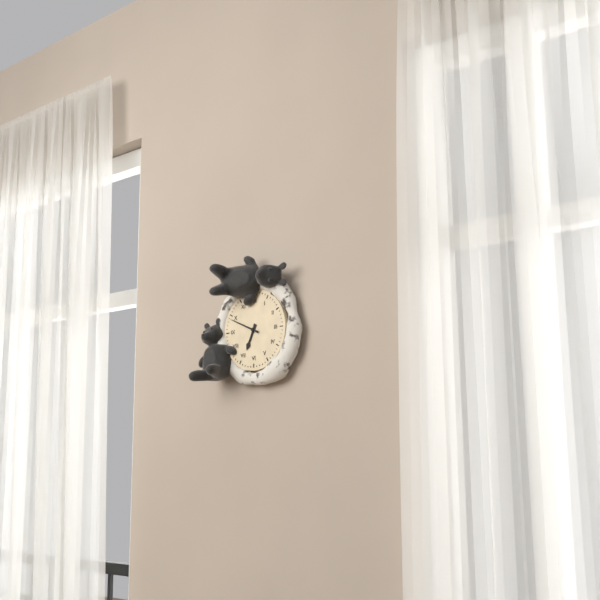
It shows h=6 m=49
